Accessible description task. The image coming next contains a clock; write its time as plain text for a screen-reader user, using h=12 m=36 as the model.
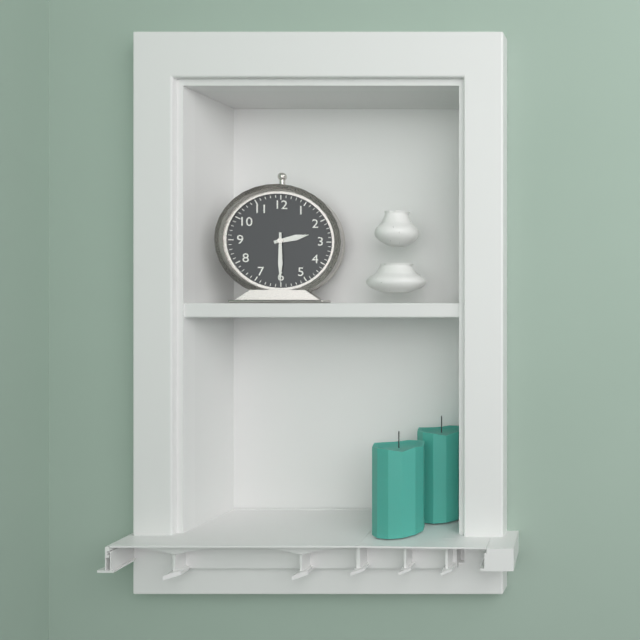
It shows h=2 m=30
